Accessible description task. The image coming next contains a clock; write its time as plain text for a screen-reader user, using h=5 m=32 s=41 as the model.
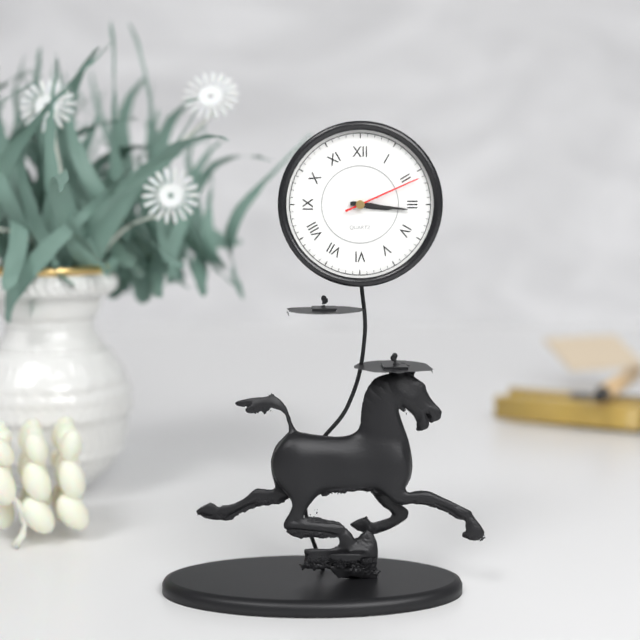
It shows h=3 m=16 s=11
